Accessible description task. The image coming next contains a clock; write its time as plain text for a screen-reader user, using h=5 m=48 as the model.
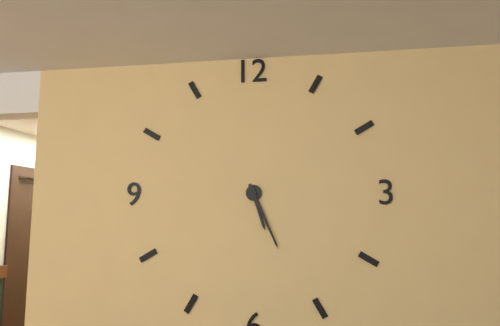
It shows h=5 m=26
